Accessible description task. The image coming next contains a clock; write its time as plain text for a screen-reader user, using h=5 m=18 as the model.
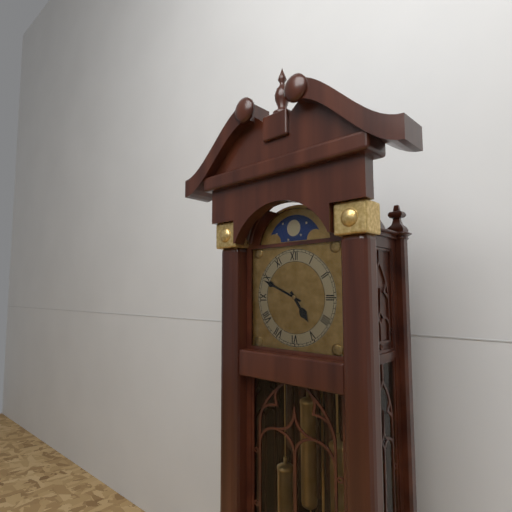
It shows h=4 m=49
